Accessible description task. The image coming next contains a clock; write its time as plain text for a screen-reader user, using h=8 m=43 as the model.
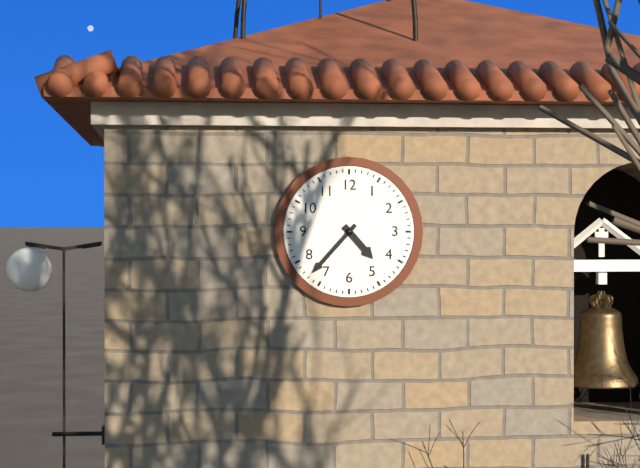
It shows h=4 m=37
